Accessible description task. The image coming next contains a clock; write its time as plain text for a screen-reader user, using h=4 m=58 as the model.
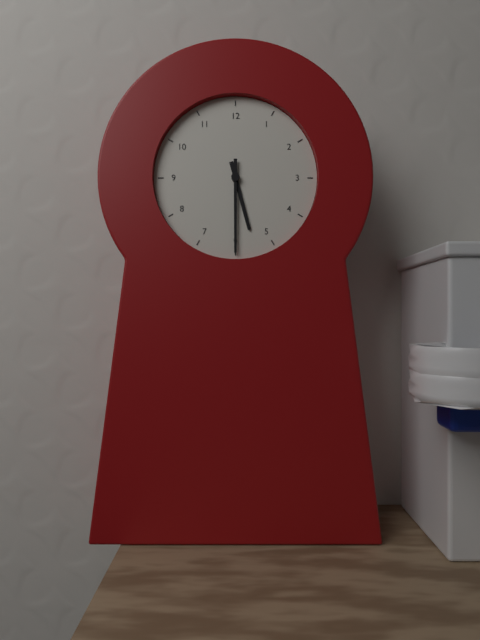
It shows h=5 m=30
